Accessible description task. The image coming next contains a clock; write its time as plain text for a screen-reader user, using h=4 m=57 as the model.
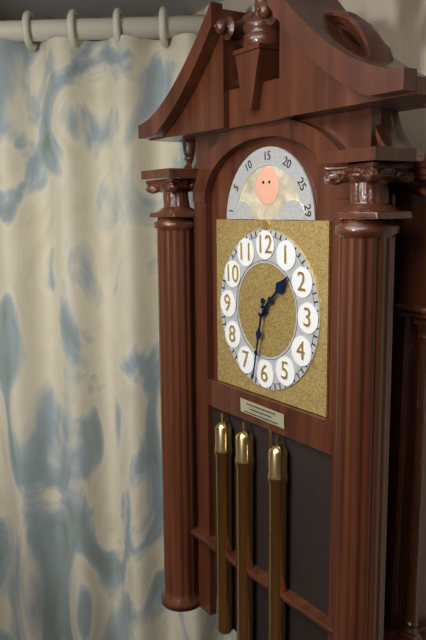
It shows h=1 m=32
